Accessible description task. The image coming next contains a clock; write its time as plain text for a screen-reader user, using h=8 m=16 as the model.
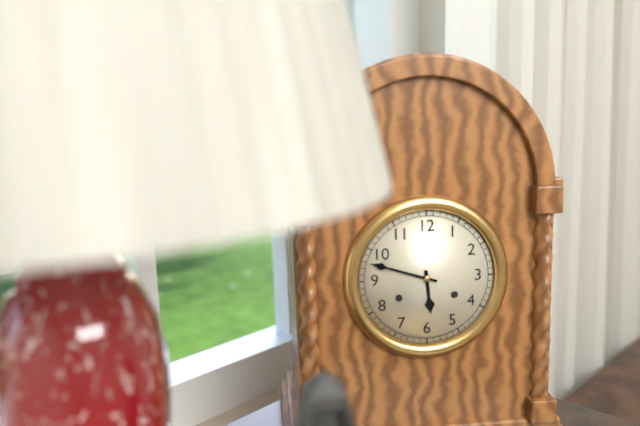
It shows h=5 m=48
